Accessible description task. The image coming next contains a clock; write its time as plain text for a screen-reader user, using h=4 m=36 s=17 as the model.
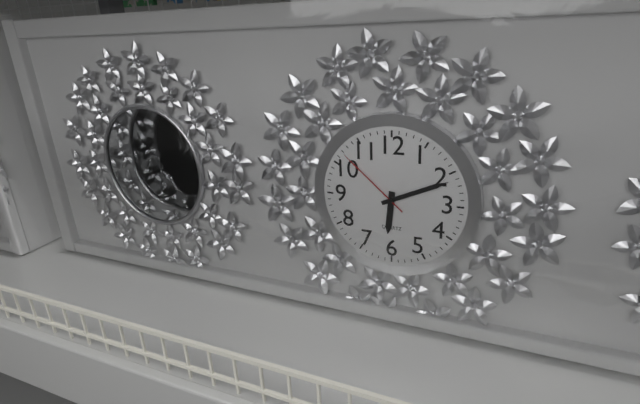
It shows h=6 m=11 s=52
